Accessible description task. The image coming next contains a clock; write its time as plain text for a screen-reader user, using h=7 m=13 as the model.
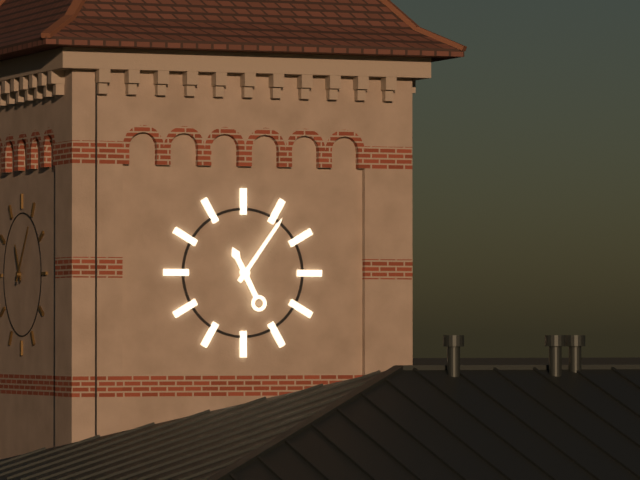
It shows h=11 m=6
